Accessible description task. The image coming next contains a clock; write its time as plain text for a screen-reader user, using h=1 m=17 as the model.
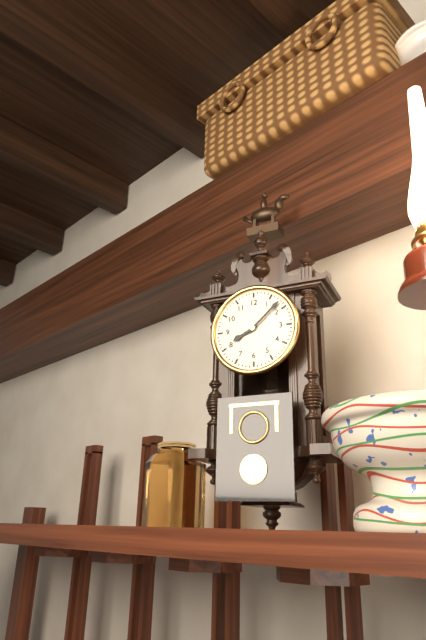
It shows h=8 m=8
